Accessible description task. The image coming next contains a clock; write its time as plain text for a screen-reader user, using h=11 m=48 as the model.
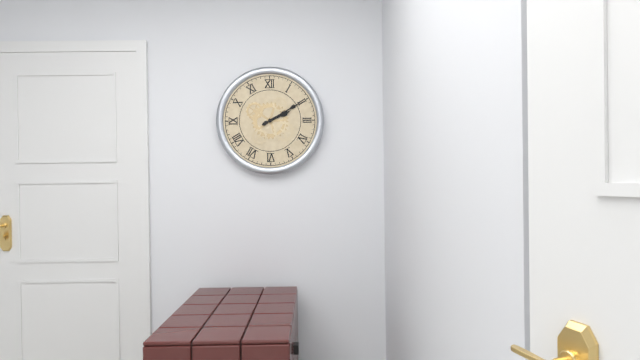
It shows h=2 m=10
